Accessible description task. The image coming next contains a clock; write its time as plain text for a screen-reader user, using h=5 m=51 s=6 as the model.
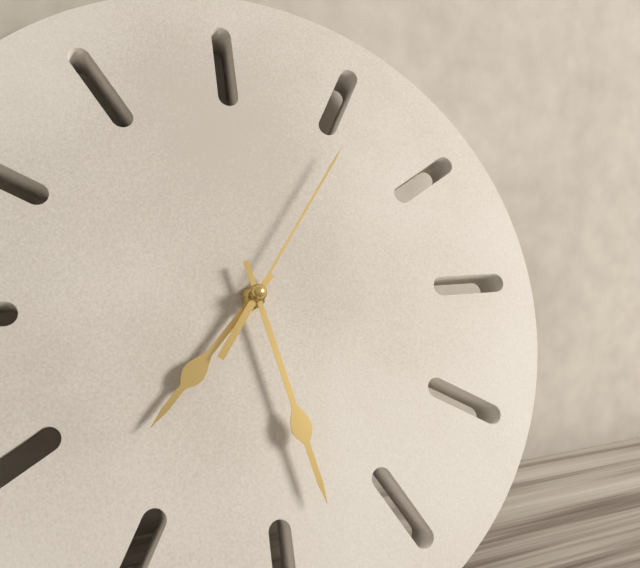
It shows h=7 m=28 s=6
